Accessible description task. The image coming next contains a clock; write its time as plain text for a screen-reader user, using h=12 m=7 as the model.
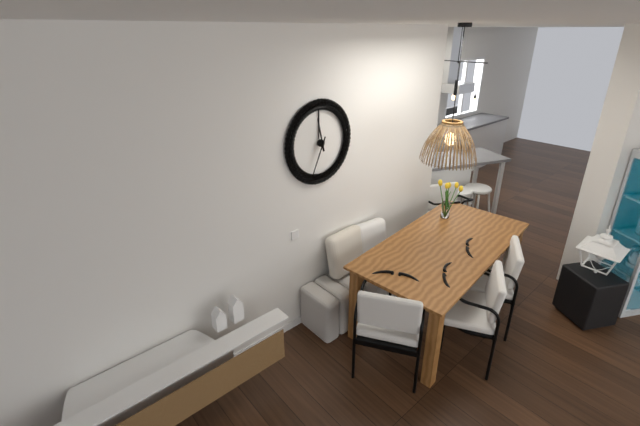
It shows h=11 m=34
